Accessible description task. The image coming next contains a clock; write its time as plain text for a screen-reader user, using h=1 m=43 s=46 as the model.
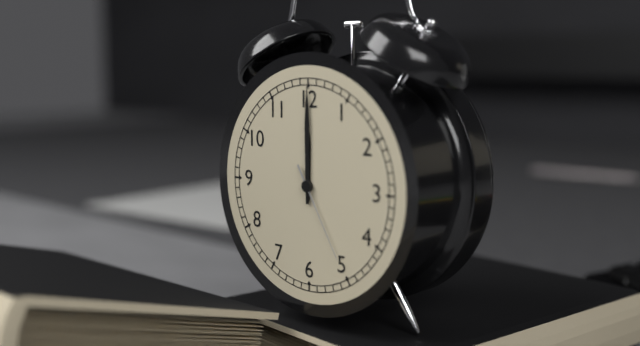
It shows h=12 m=0 s=25
